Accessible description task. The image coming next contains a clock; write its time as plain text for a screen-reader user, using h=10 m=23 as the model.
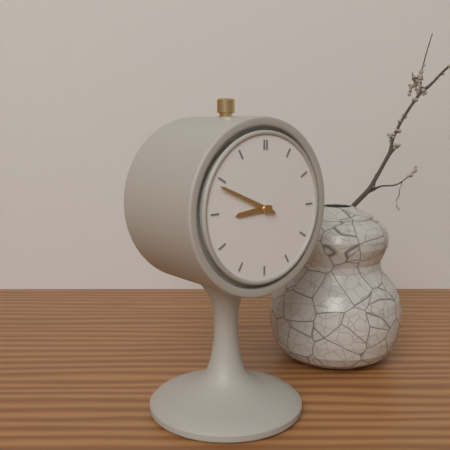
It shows h=8 m=49
